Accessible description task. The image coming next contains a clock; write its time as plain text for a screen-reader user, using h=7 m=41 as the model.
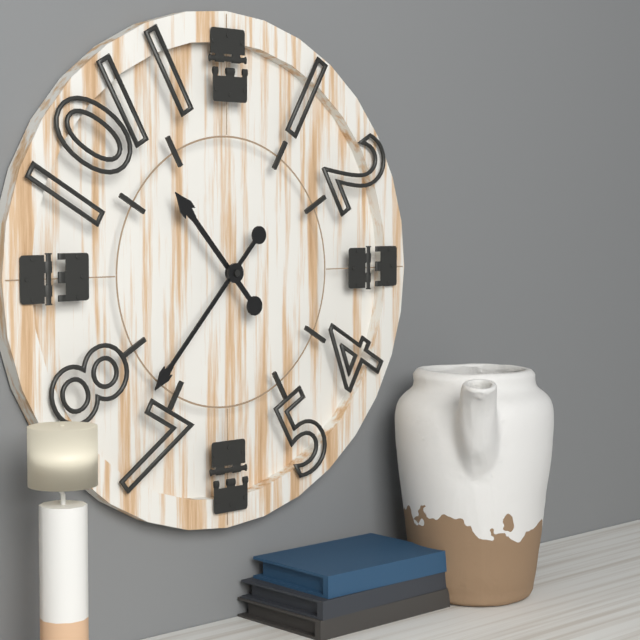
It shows h=10 m=37
